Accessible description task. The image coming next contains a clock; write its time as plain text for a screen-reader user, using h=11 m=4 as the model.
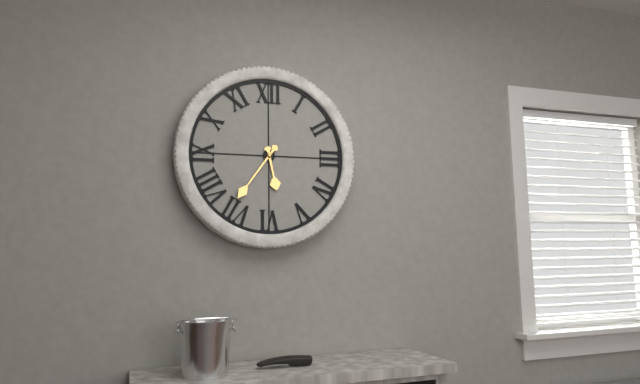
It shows h=5 m=36
